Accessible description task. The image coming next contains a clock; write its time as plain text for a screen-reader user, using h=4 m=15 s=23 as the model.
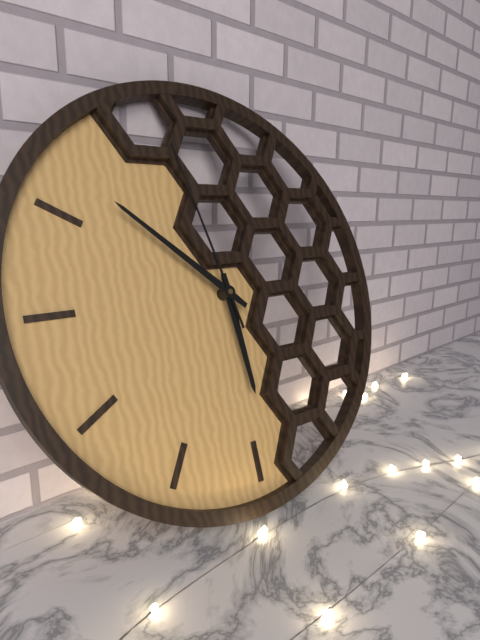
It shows h=5 m=52 s=58
